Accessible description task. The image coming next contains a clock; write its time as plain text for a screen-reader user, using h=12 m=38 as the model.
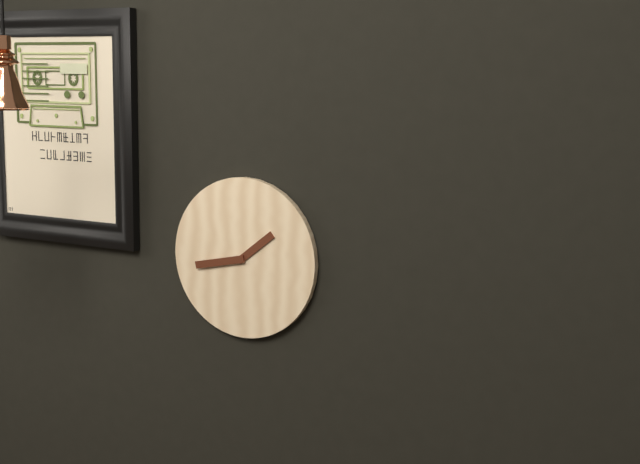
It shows h=1 m=43
